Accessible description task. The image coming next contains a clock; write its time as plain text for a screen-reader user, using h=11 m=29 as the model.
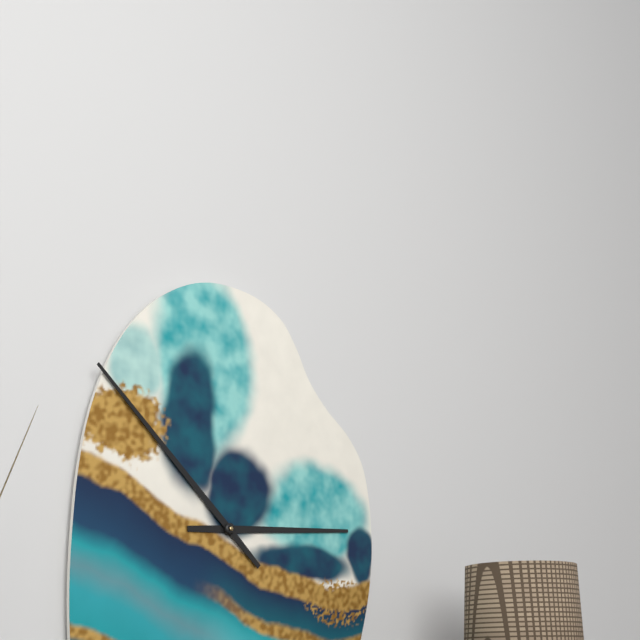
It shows h=2 m=52
